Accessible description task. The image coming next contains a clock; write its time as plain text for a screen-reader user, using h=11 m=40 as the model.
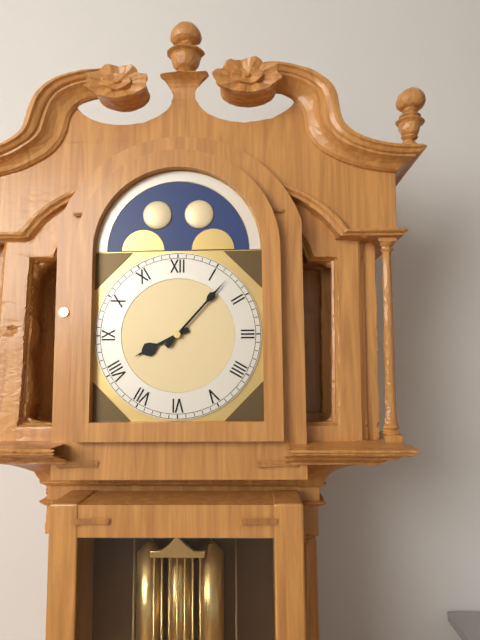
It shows h=8 m=7
